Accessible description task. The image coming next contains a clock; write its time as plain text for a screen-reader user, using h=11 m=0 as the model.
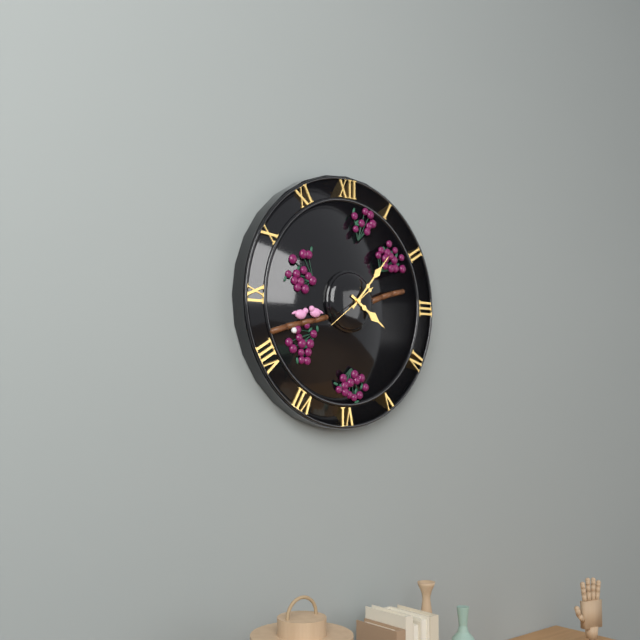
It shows h=4 m=7
